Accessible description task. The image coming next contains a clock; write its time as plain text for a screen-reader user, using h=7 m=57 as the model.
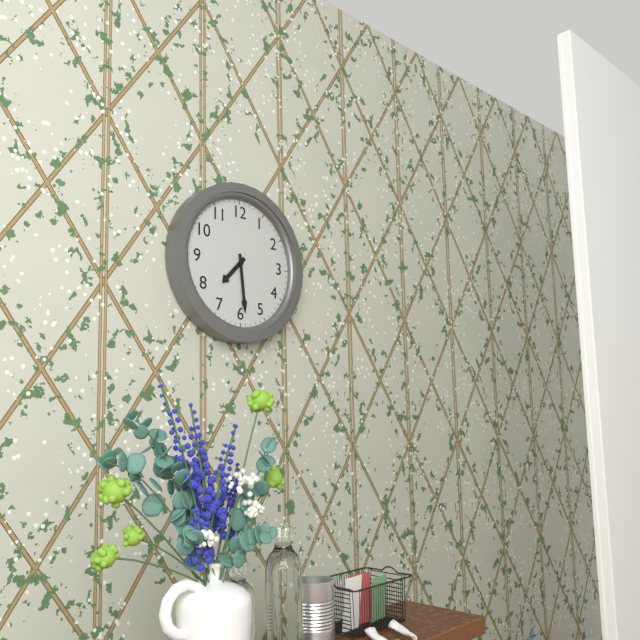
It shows h=7 m=29
